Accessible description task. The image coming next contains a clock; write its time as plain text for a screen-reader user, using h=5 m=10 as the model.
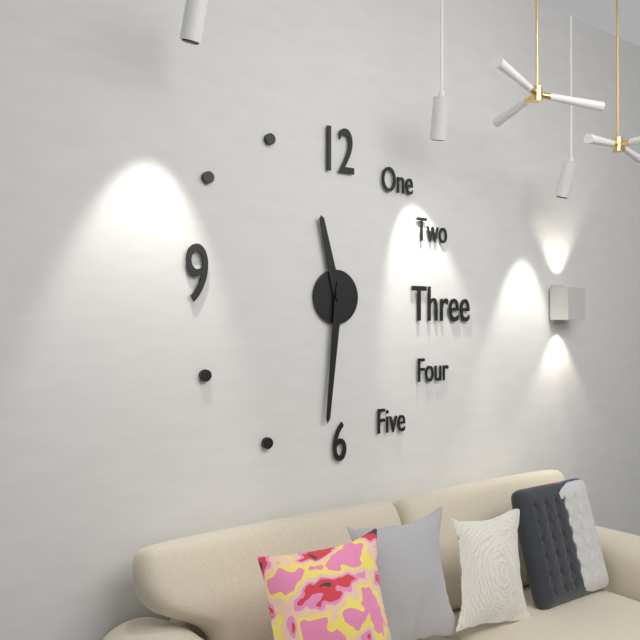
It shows h=11 m=31
